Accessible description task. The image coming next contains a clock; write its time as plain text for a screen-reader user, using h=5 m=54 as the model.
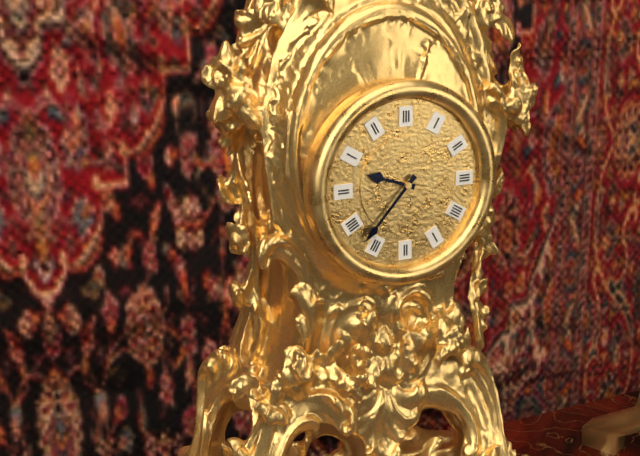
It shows h=9 m=37
